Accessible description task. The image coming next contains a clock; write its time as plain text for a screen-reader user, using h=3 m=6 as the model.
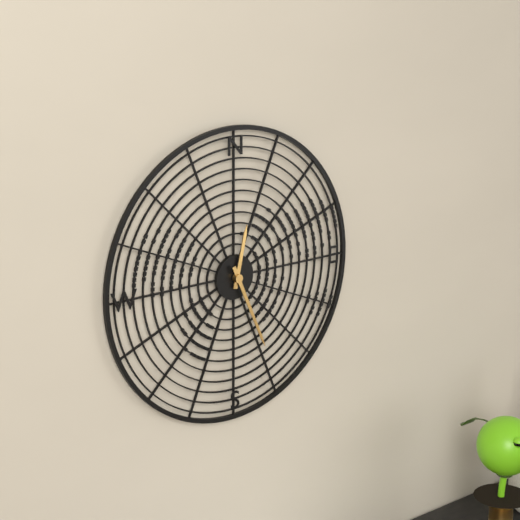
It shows h=12 m=26
